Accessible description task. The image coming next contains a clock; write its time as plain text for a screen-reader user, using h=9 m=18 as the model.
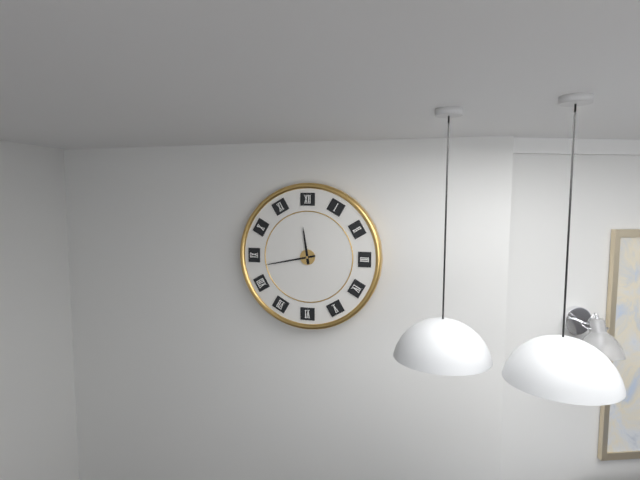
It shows h=11 m=43
